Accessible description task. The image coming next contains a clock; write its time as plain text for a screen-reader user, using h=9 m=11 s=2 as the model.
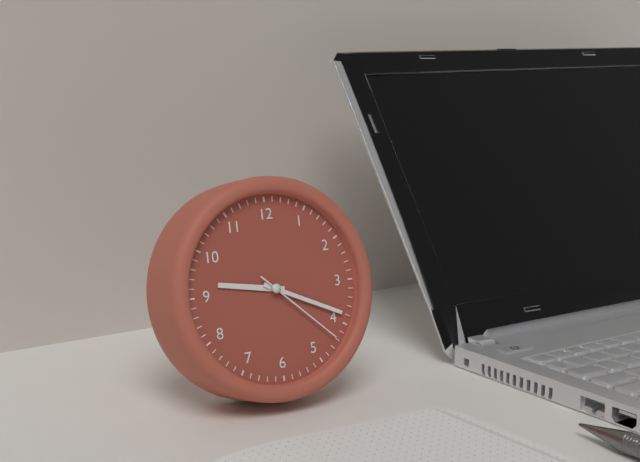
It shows h=9 m=19 s=22
